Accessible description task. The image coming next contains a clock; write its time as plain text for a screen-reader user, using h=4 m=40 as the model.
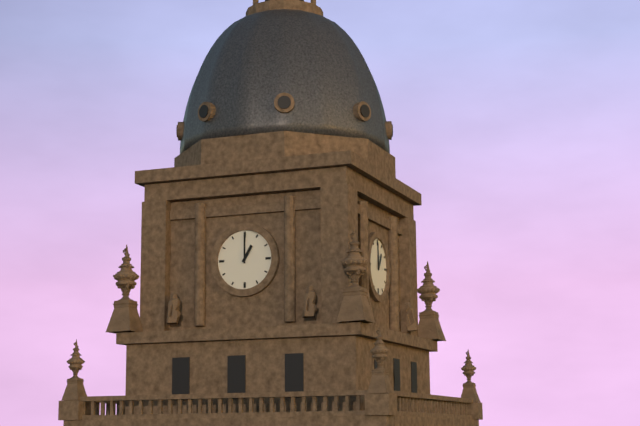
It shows h=1 m=0
